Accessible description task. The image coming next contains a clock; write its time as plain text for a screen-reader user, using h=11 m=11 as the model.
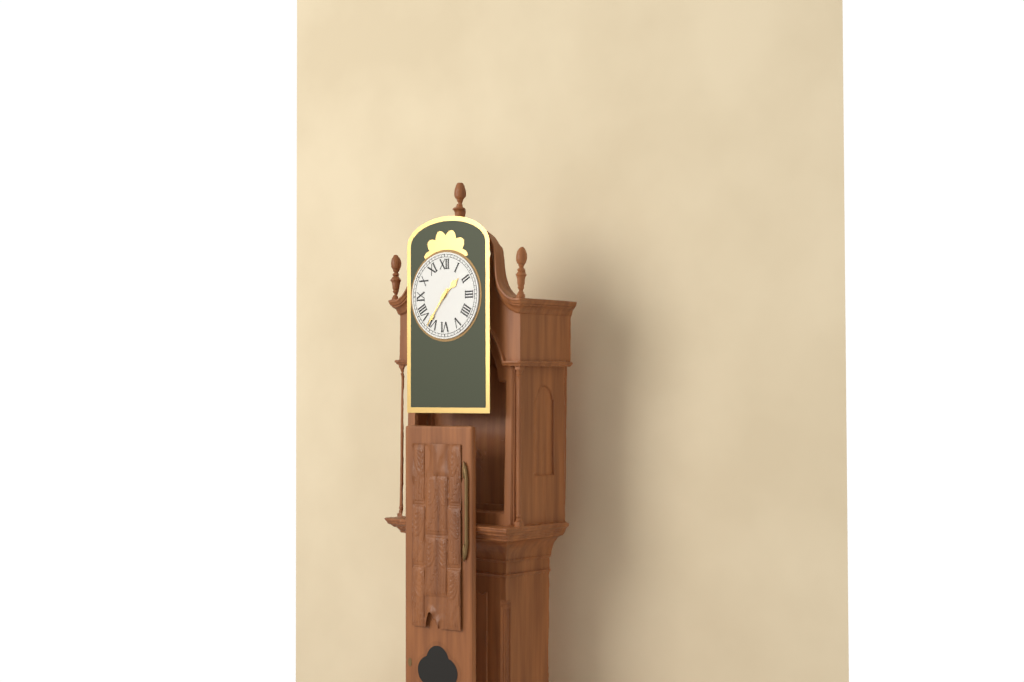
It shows h=1 m=36
